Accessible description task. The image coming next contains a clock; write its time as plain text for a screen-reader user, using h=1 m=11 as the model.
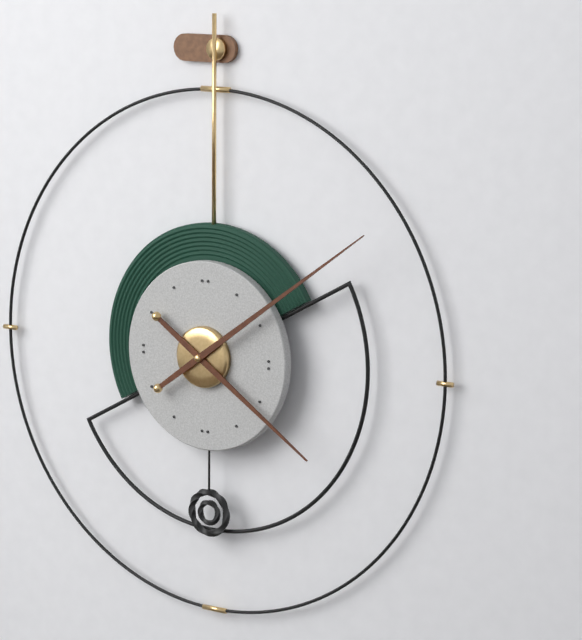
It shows h=4 m=9
